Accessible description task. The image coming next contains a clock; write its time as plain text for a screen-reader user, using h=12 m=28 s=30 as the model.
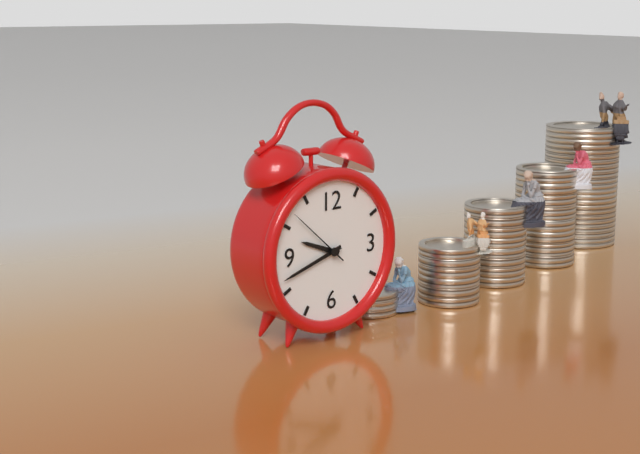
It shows h=9 m=42 s=52
